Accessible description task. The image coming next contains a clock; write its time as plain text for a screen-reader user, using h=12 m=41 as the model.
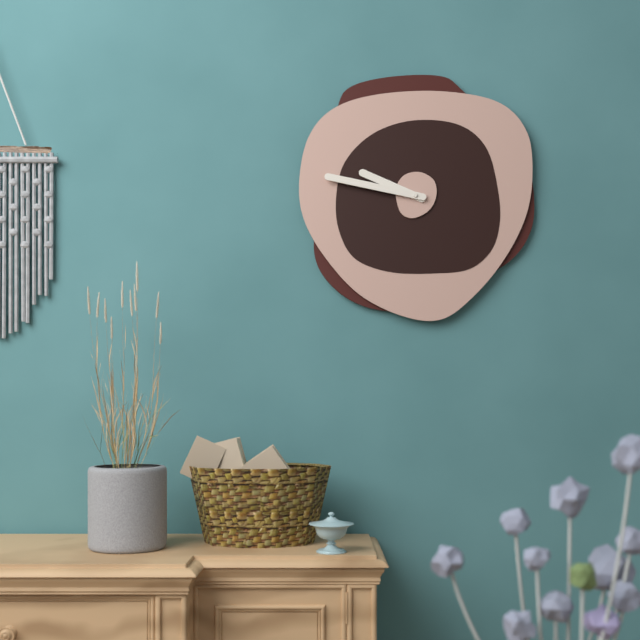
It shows h=9 m=47
